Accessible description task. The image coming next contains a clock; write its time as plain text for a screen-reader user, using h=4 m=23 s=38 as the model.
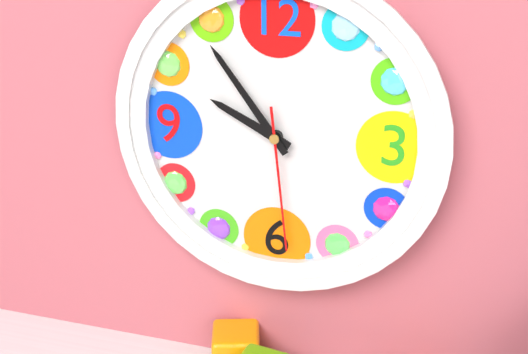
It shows h=9 m=54 s=29
